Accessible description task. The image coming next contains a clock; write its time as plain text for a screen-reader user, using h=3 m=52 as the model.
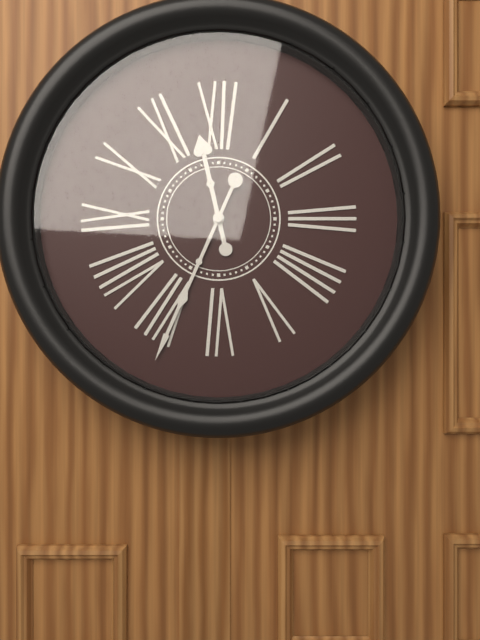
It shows h=11 m=34
